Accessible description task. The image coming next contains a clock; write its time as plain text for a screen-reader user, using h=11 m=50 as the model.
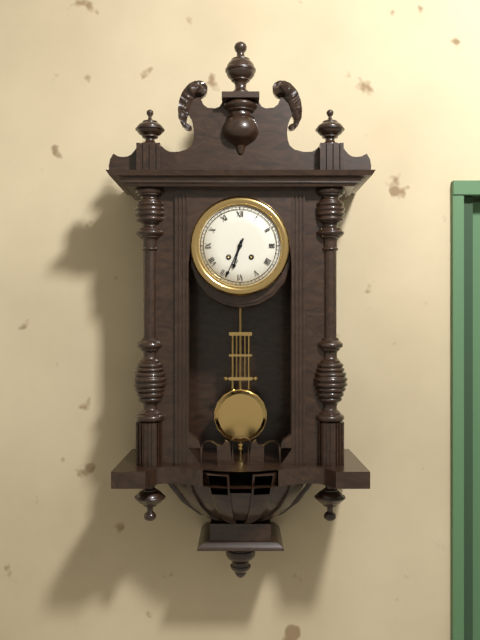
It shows h=6 m=34
